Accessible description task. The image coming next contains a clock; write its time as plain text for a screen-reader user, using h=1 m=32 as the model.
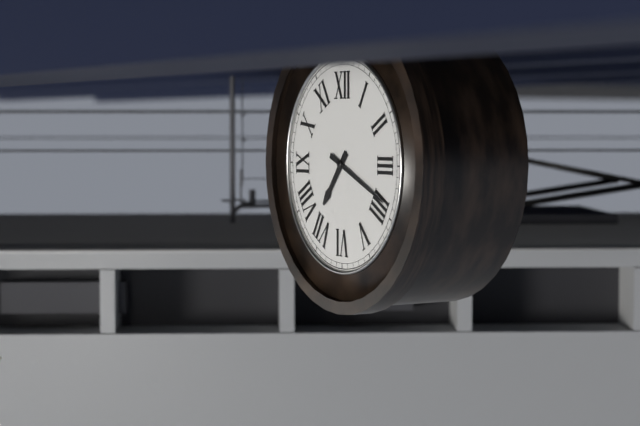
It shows h=7 m=19
